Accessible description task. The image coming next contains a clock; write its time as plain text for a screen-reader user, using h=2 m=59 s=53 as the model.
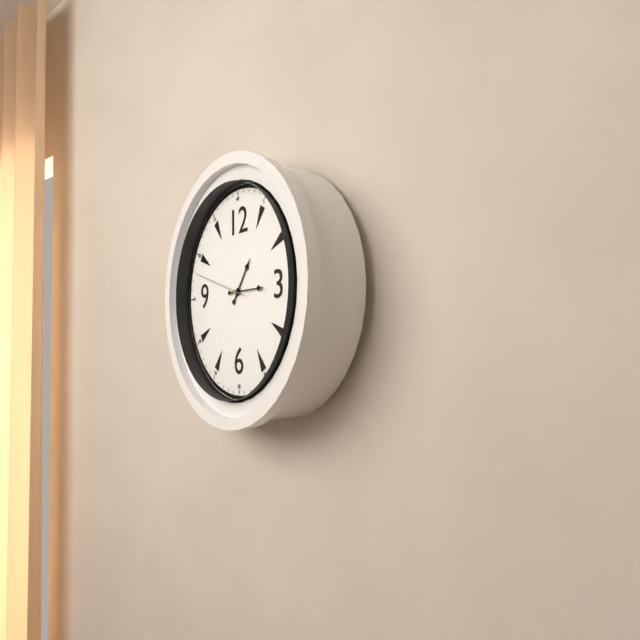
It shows h=1 m=15 s=48
